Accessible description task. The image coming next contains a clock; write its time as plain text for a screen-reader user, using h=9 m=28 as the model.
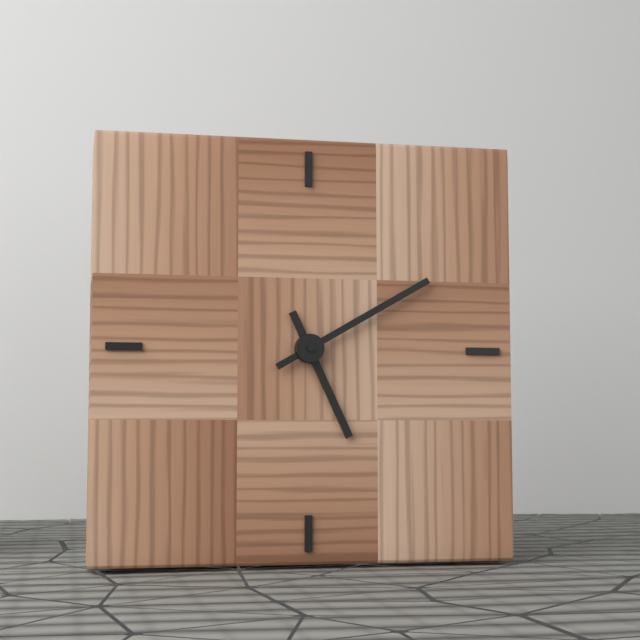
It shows h=5 m=10
